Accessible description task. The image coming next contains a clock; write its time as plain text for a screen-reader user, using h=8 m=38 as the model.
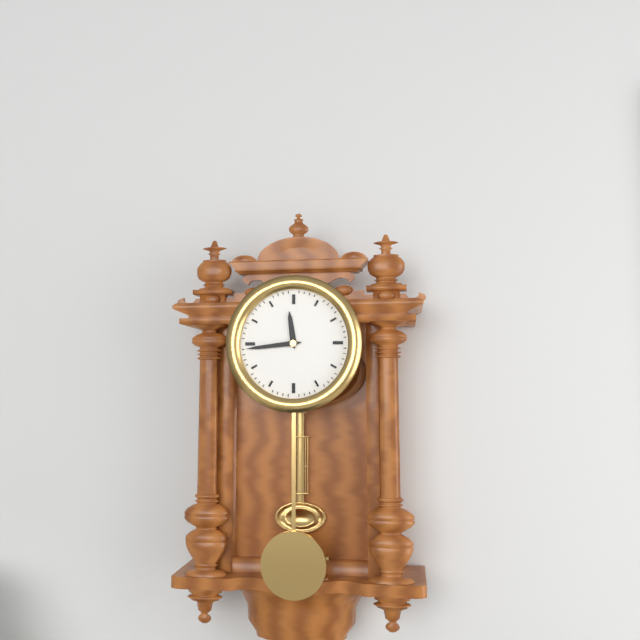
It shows h=11 m=44
